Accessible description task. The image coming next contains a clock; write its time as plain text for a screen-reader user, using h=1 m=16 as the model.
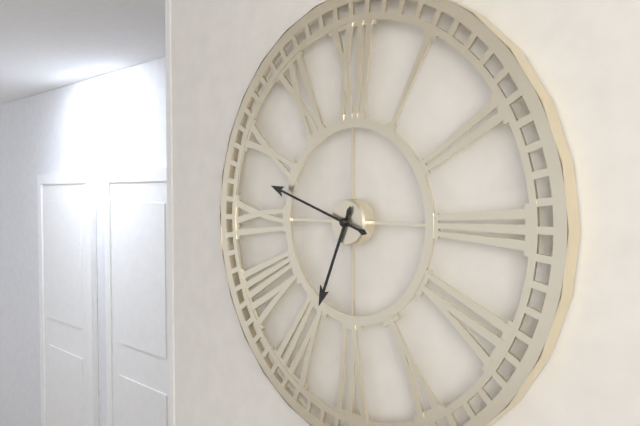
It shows h=6 m=48
